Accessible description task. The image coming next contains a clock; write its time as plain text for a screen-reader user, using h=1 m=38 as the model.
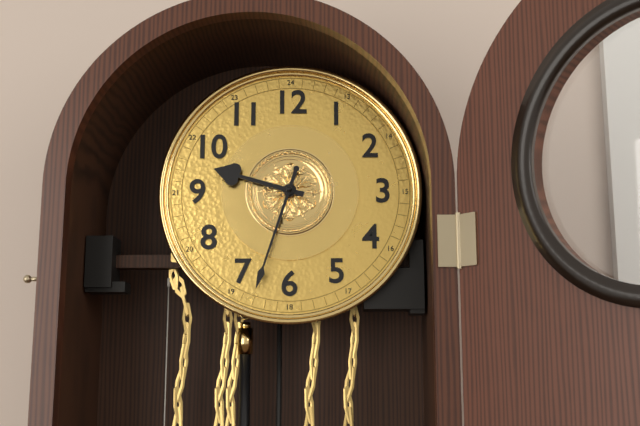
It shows h=9 m=33
